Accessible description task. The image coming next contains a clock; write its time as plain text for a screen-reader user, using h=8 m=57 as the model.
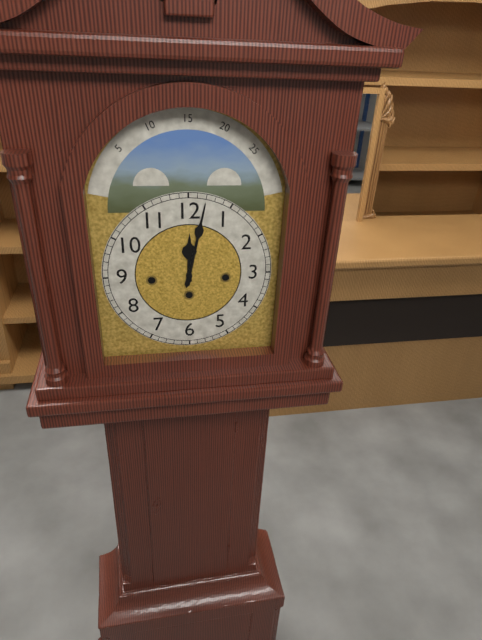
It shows h=12 m=2
